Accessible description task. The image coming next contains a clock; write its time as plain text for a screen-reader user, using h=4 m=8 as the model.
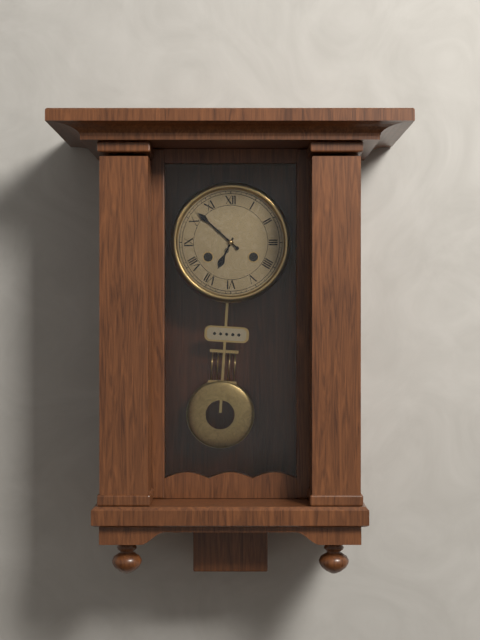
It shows h=6 m=52
